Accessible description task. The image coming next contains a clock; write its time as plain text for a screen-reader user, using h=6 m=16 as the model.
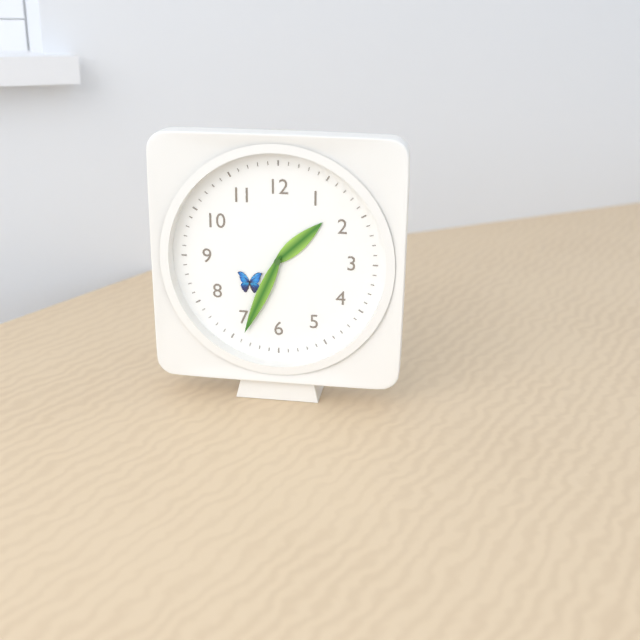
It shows h=1 m=34
